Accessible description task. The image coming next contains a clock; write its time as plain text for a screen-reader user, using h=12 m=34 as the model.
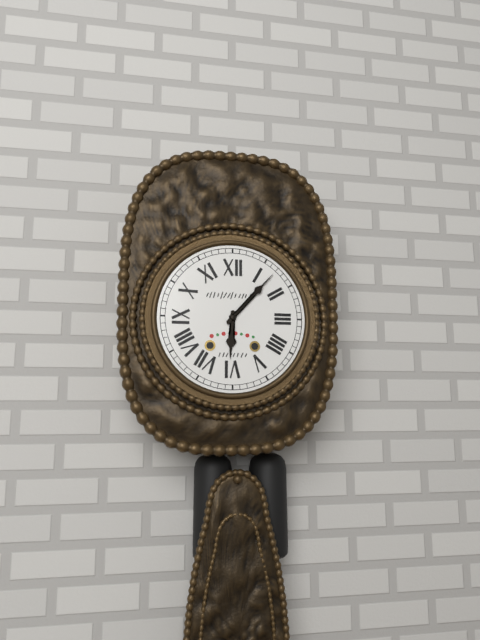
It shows h=6 m=7
